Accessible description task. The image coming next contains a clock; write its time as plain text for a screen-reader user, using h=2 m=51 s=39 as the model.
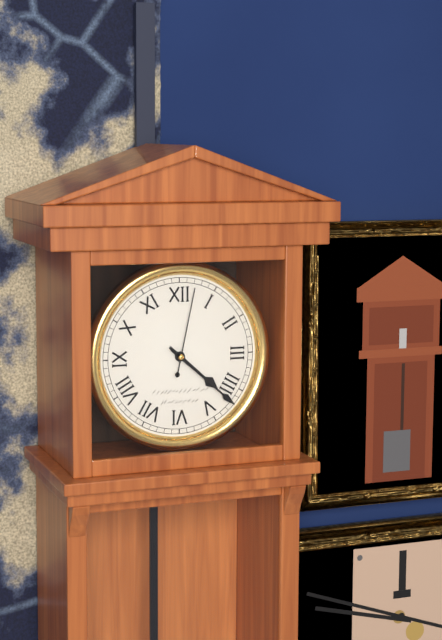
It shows h=4 m=22 s=2
